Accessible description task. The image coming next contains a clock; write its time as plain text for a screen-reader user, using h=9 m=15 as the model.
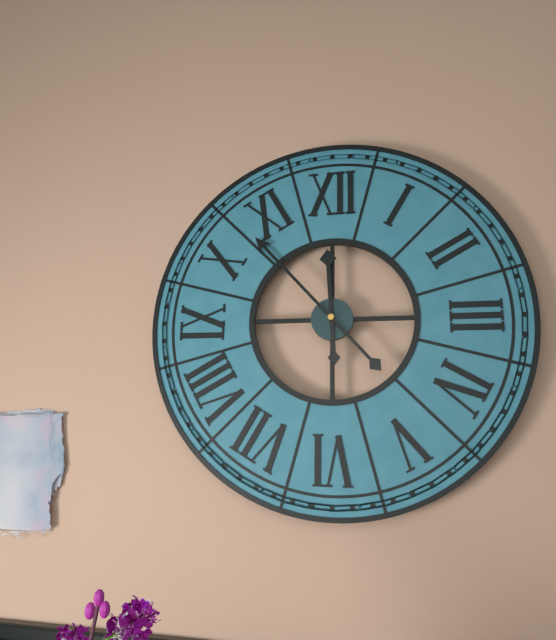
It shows h=11 m=53
